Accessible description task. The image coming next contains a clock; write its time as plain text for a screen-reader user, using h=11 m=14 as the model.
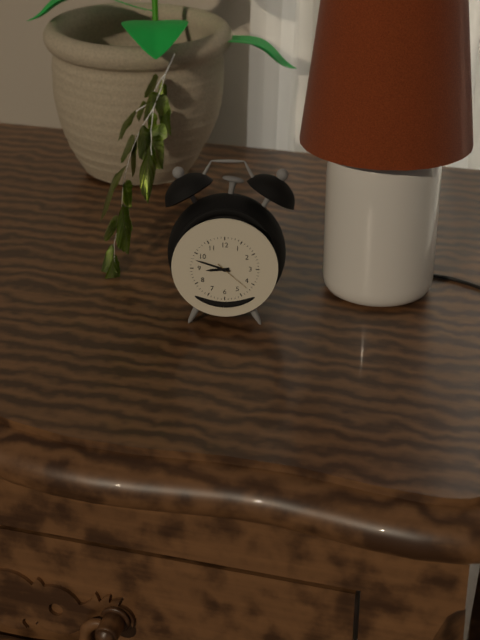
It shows h=8 m=48
